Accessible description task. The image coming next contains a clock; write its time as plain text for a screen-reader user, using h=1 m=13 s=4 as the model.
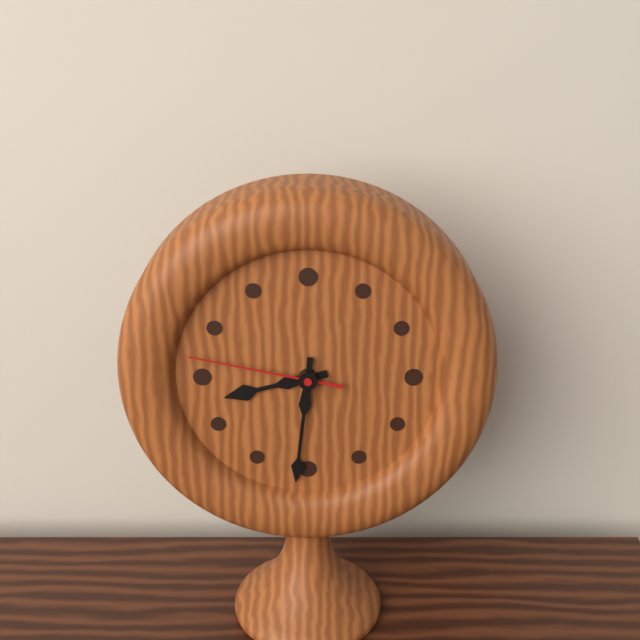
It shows h=8 m=31 s=47
